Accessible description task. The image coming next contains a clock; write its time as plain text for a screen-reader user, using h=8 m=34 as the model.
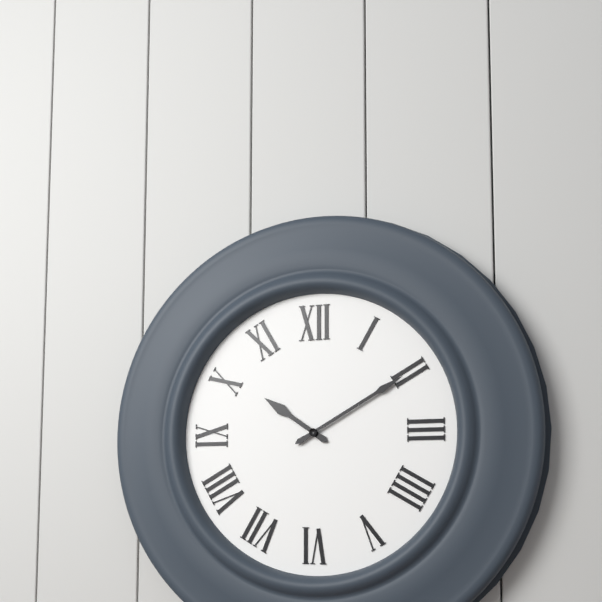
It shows h=10 m=10
